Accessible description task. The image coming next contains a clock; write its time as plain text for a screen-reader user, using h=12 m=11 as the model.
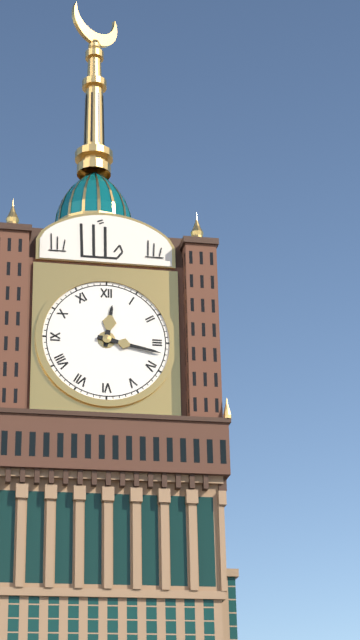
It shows h=12 m=17
